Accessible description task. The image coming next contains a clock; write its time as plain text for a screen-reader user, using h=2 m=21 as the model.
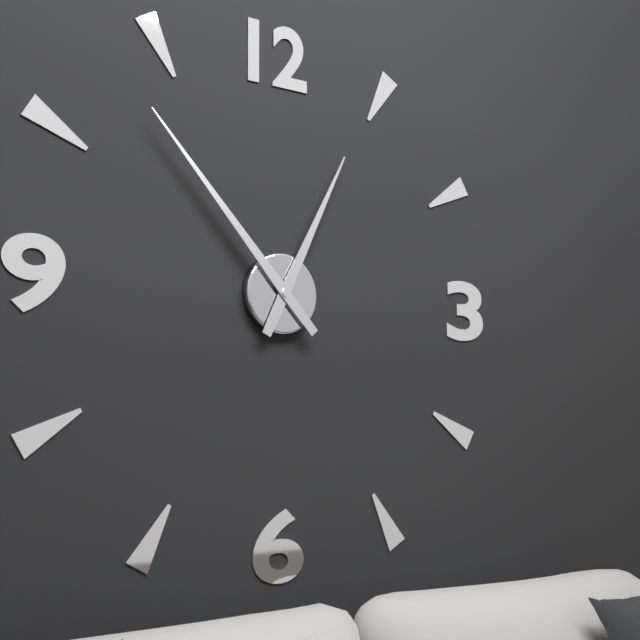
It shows h=12 m=53
